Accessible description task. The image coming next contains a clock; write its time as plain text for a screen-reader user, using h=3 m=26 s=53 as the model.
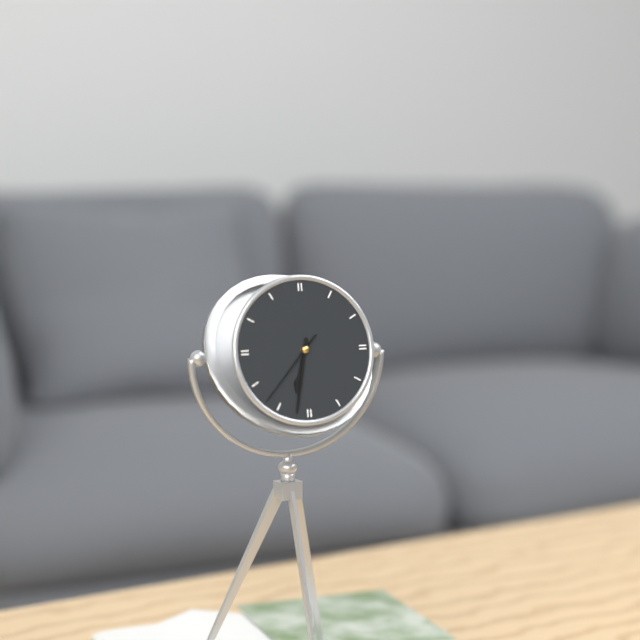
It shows h=6 m=32 s=37
